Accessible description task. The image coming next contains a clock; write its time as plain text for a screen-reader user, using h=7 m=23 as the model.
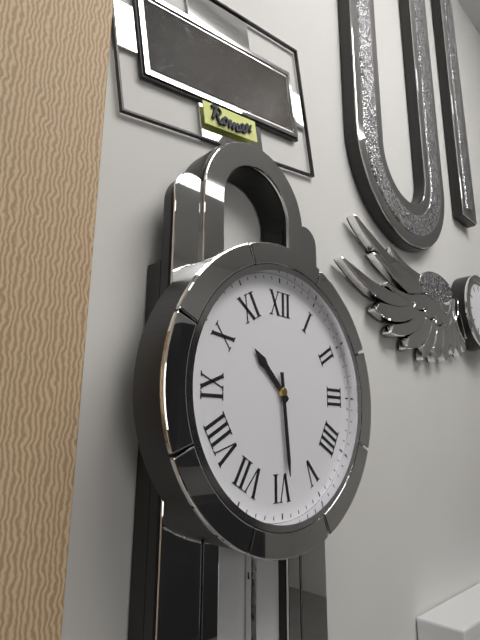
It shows h=10 m=29
